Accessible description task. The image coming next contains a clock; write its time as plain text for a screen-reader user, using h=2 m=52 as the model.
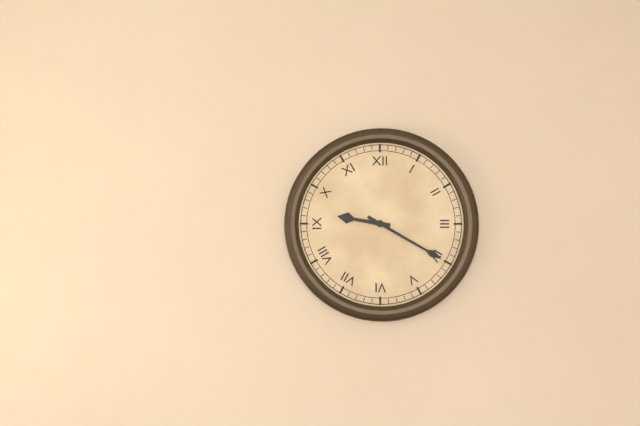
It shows h=9 m=20
